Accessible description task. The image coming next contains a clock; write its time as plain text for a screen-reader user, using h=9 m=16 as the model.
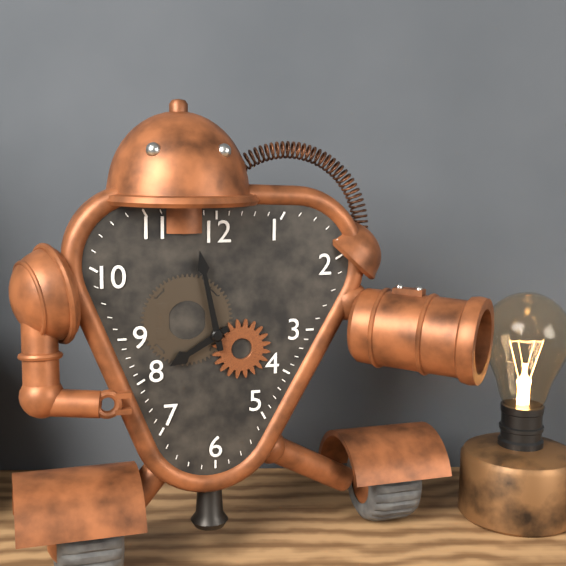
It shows h=7 m=58
